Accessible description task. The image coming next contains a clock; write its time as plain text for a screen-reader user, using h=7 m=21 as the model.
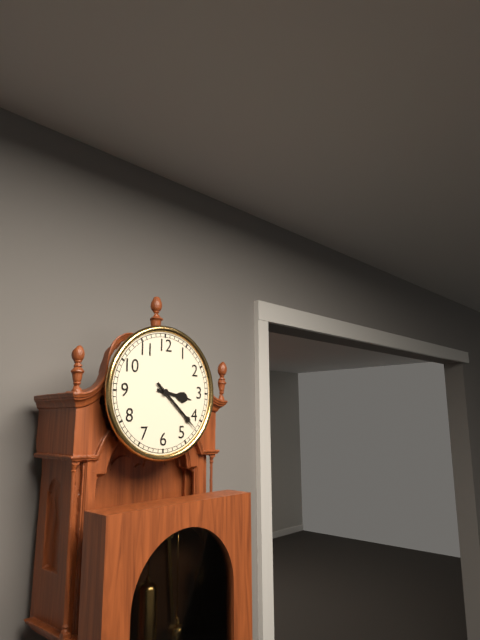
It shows h=3 m=22
